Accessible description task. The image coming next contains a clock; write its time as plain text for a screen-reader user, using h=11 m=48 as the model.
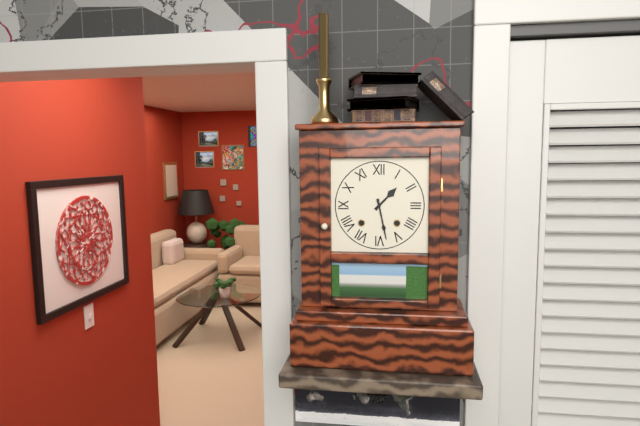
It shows h=1 m=28
